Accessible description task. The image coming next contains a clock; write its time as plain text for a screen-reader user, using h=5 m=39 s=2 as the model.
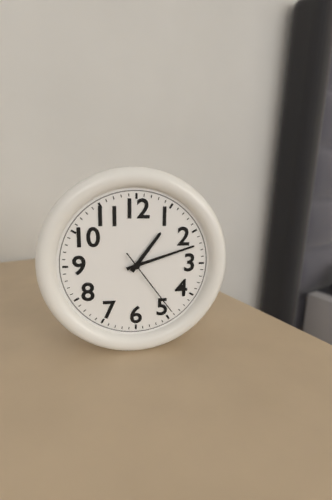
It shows h=1 m=12 s=24
